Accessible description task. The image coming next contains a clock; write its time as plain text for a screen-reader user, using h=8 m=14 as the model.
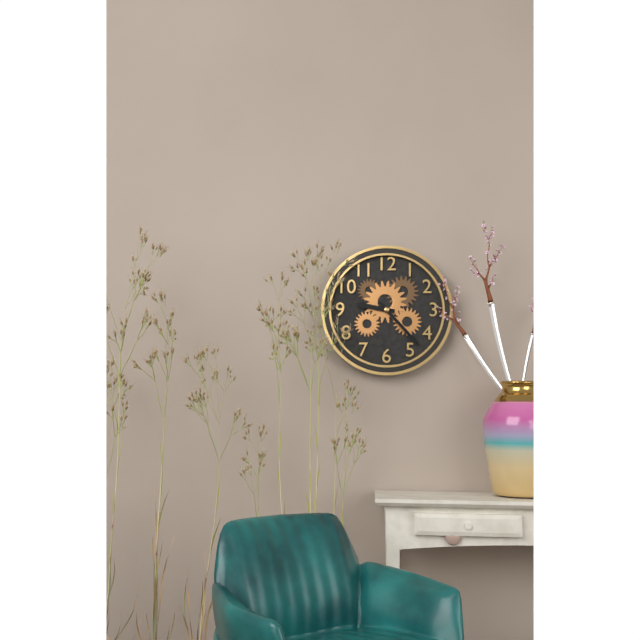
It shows h=9 m=23
